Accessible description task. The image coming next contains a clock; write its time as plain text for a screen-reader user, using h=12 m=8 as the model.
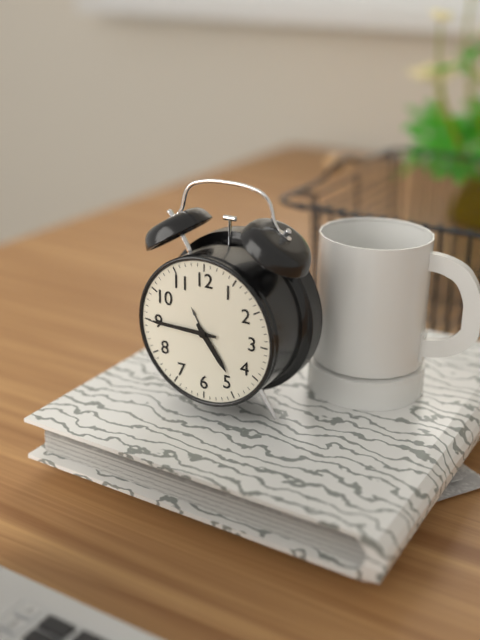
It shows h=4 m=45
